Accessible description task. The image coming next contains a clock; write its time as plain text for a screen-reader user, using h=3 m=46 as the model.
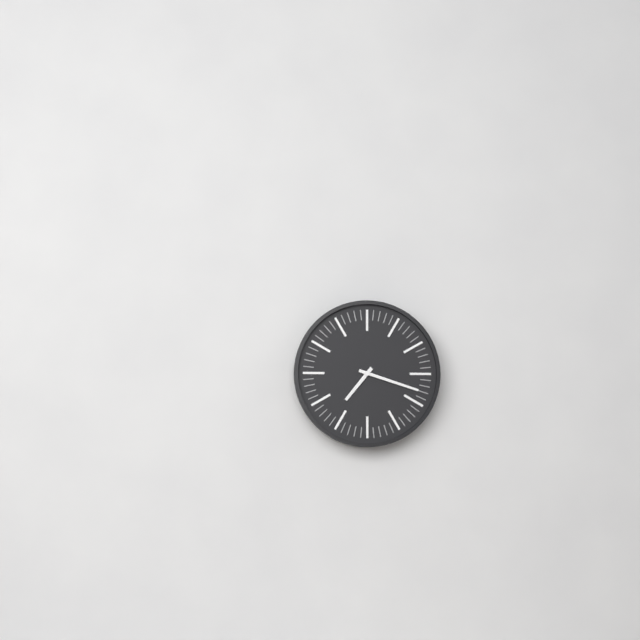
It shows h=7 m=18
